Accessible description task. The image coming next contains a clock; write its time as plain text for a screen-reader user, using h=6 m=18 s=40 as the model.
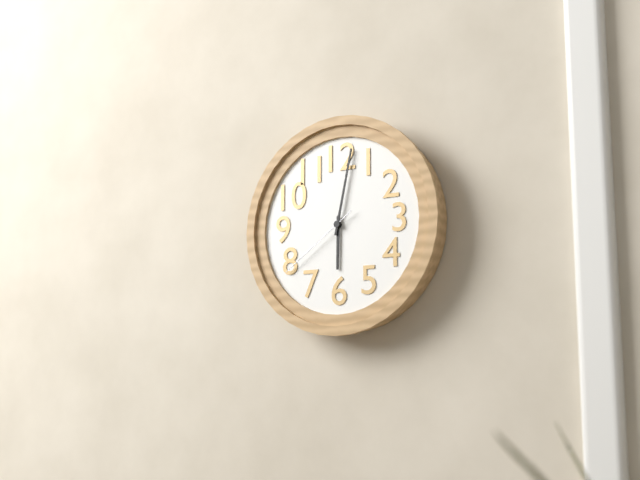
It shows h=6 m=2 s=39
